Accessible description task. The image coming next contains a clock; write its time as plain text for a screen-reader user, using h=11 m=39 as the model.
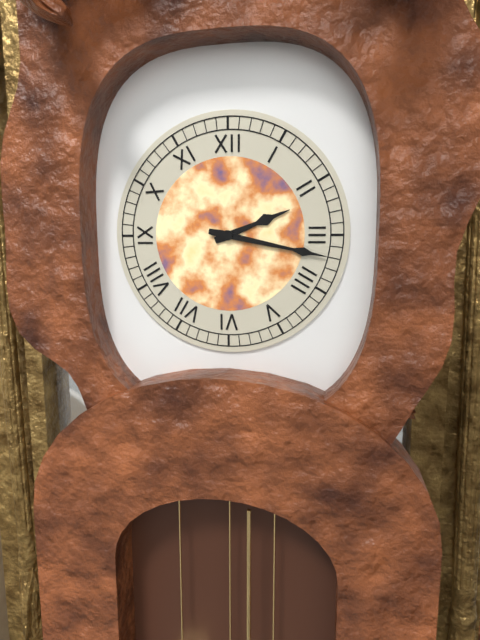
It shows h=2 m=17
